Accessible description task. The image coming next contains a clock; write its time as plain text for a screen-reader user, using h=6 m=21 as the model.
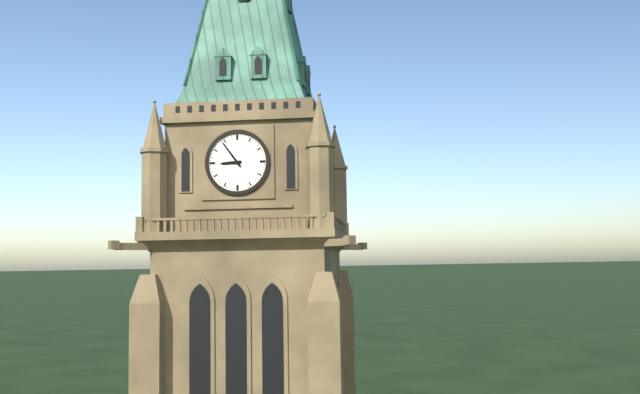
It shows h=8 m=54
